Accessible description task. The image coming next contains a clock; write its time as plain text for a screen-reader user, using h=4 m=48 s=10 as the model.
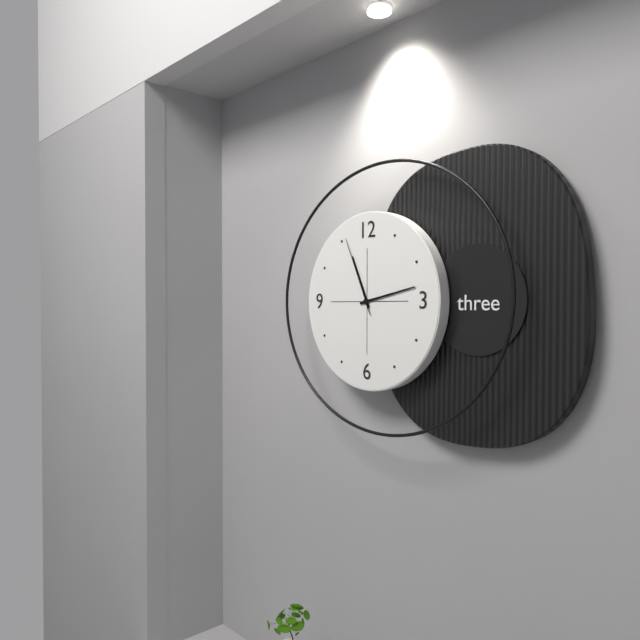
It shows h=11 m=13 s=56
